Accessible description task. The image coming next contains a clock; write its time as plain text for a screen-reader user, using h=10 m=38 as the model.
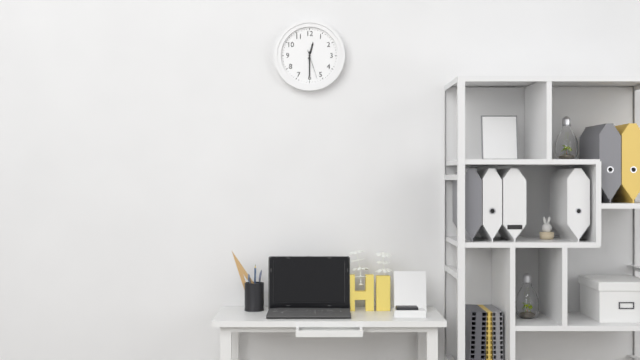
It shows h=12 m=30
